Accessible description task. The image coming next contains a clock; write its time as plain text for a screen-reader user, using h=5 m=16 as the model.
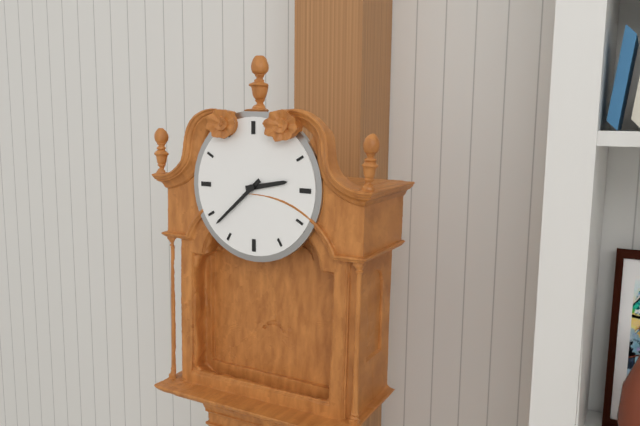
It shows h=2 m=38
